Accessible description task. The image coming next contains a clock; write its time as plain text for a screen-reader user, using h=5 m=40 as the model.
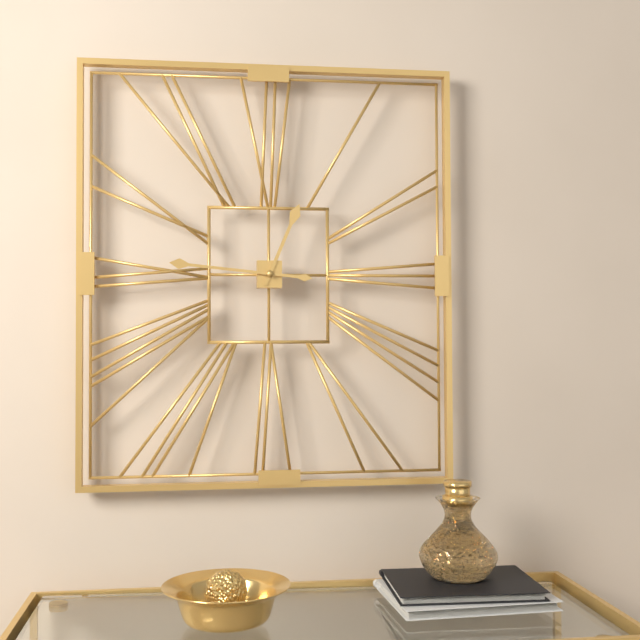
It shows h=12 m=46
